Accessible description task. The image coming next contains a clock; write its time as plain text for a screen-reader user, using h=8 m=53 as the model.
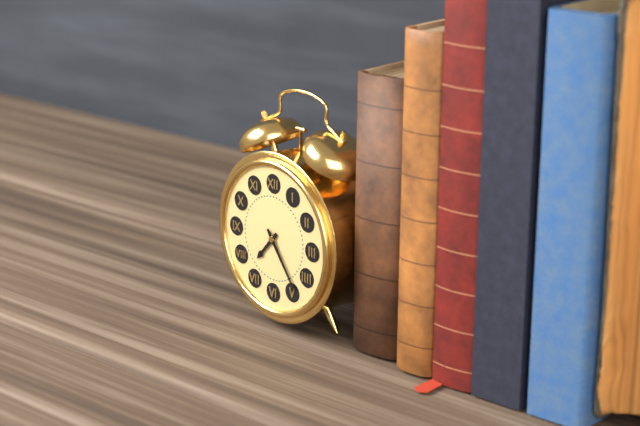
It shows h=7 m=24
